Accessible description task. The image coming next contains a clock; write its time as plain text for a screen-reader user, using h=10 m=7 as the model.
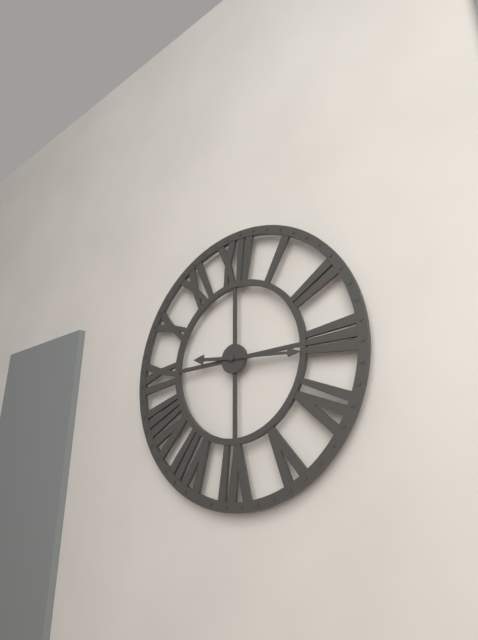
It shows h=9 m=16
